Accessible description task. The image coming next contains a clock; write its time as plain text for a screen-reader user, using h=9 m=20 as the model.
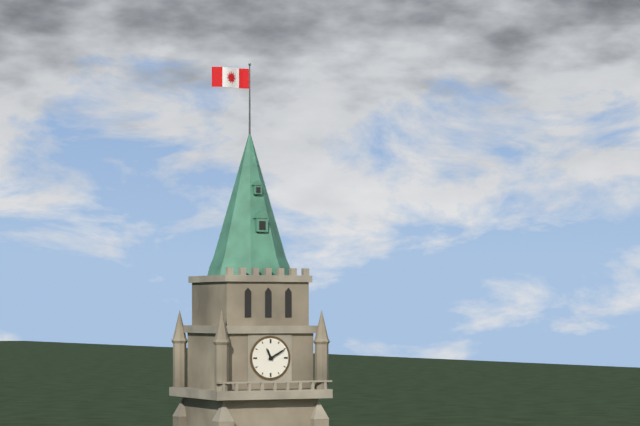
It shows h=11 m=10
